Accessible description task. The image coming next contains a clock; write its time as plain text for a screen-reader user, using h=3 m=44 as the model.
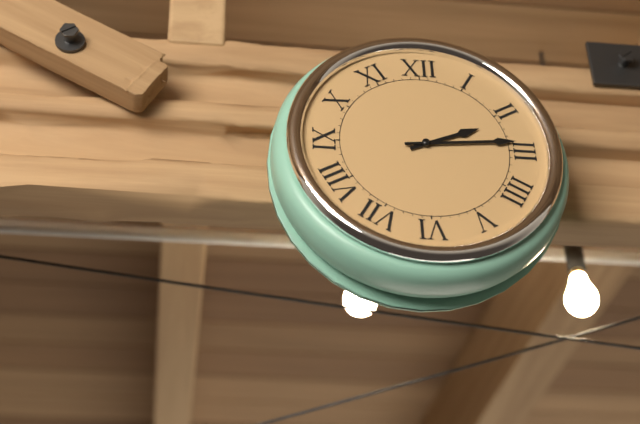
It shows h=2 m=14
